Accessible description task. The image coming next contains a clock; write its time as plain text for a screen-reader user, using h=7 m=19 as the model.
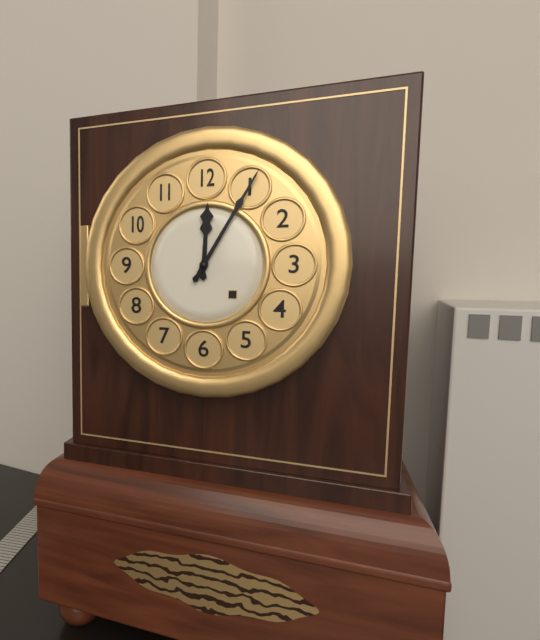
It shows h=12 m=5
